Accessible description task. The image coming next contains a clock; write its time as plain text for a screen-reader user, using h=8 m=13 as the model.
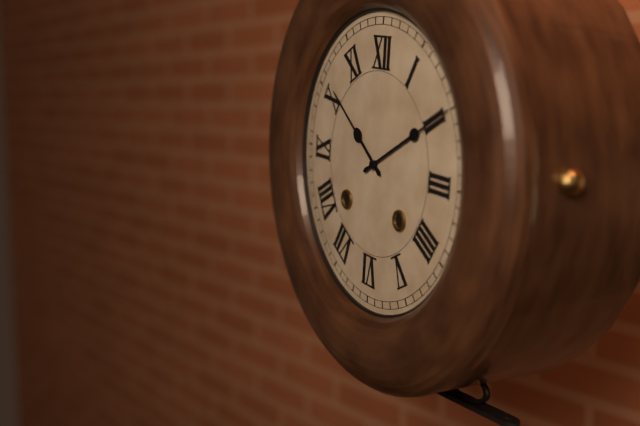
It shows h=10 m=10
